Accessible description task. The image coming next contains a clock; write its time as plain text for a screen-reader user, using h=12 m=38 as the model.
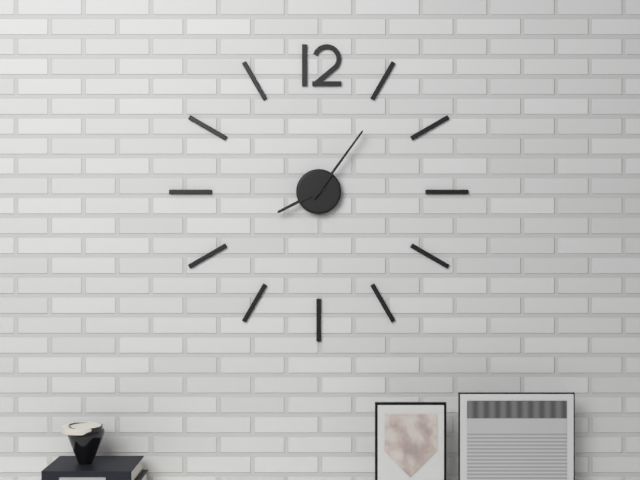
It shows h=8 m=6
